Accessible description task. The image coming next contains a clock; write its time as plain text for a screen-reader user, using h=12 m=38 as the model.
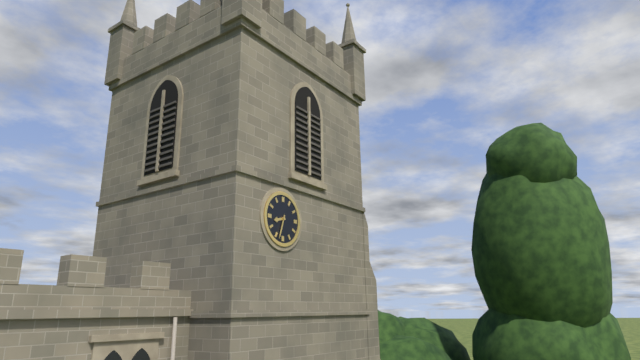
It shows h=8 m=33
